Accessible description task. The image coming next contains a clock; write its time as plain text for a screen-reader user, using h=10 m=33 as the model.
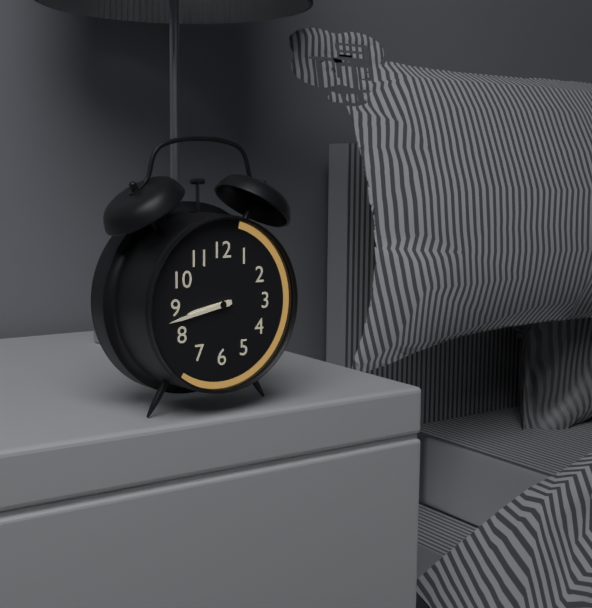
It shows h=8 m=43
